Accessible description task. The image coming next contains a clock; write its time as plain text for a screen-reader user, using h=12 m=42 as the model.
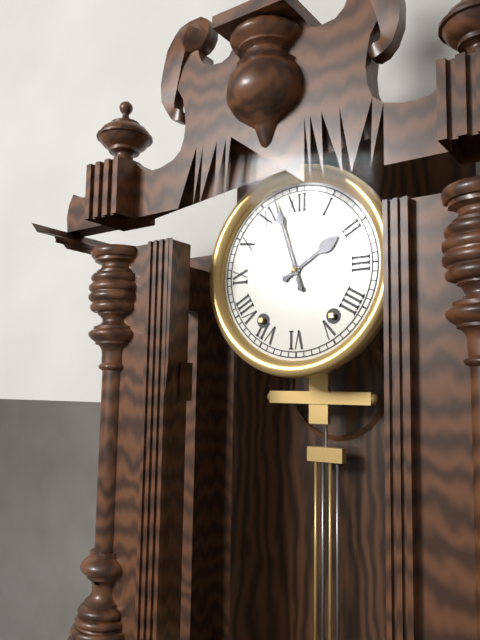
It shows h=1 m=57
